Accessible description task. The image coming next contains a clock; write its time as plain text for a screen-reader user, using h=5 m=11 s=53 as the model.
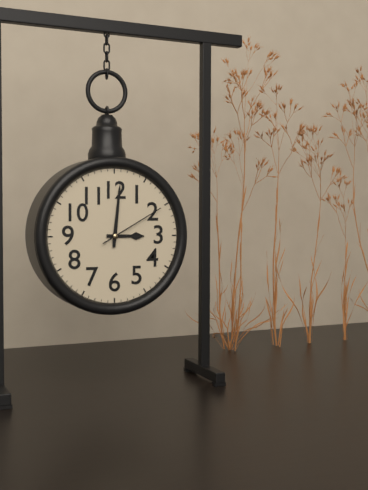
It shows h=3 m=1 s=10
